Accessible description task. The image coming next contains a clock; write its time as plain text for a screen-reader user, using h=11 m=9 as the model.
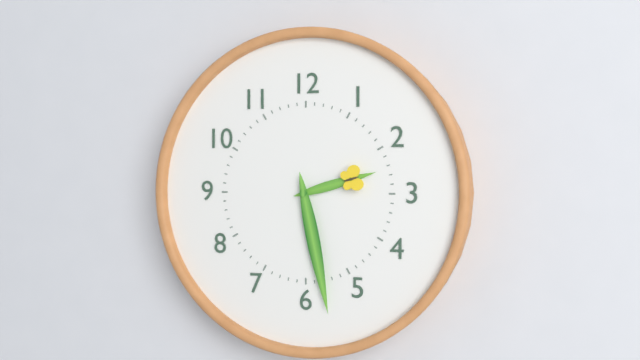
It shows h=2 m=28
